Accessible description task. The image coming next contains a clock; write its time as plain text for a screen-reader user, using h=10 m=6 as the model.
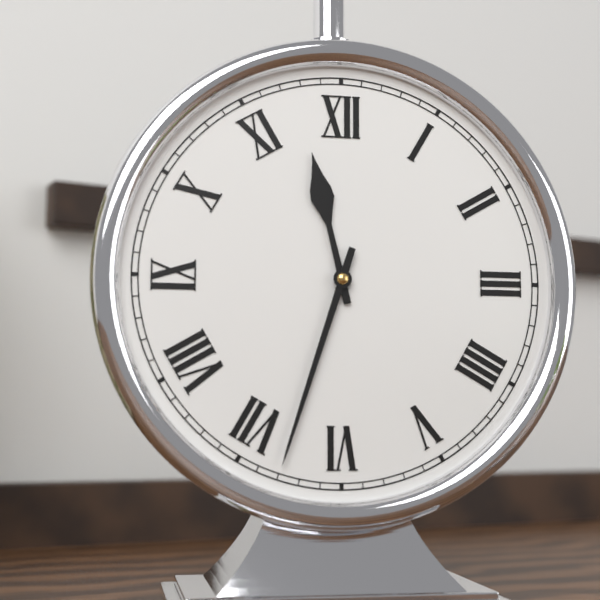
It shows h=11 m=33
